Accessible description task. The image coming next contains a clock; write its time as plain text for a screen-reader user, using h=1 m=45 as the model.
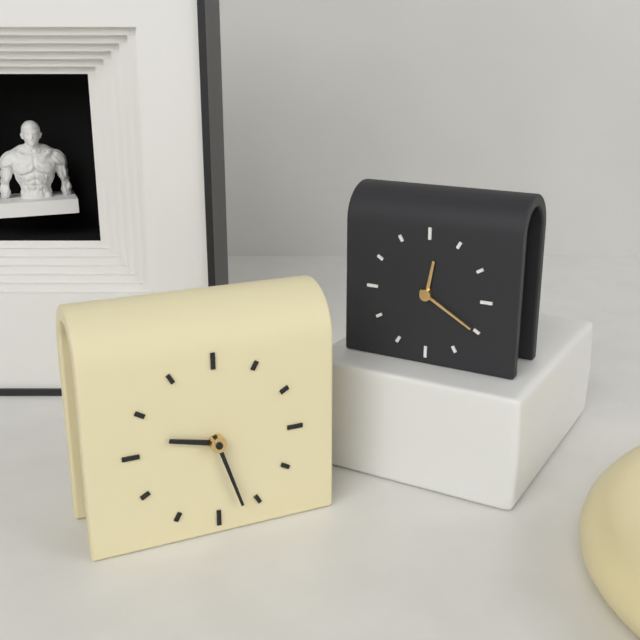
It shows h=9 m=27
